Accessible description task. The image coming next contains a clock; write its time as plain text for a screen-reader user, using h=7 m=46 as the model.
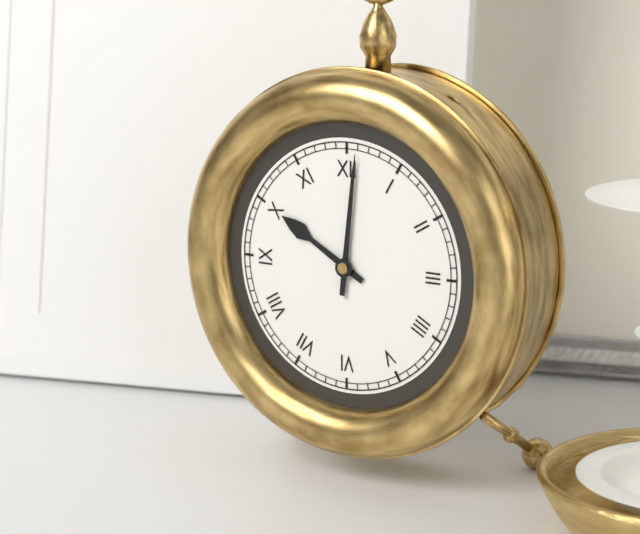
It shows h=10 m=1
